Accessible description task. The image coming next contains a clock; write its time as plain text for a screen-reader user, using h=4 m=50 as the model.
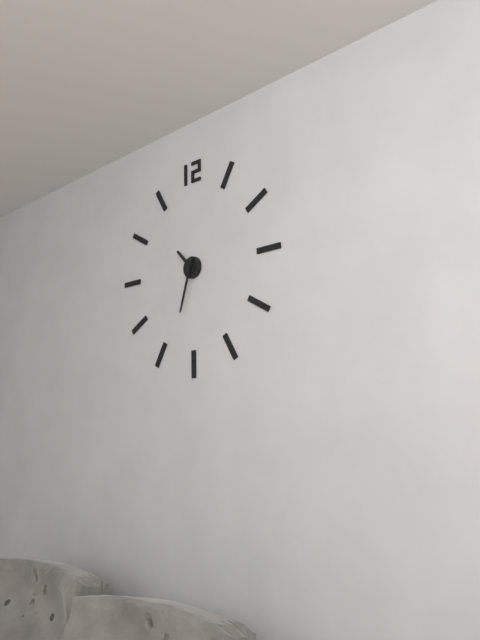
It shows h=10 m=33
